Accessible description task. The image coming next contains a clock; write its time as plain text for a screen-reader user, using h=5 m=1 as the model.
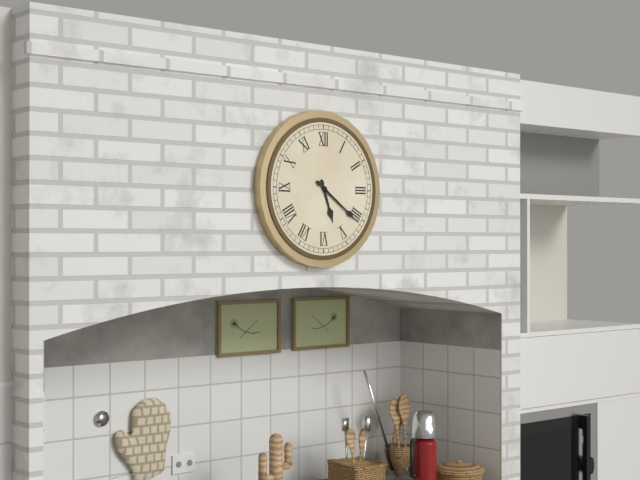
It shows h=5 m=21
